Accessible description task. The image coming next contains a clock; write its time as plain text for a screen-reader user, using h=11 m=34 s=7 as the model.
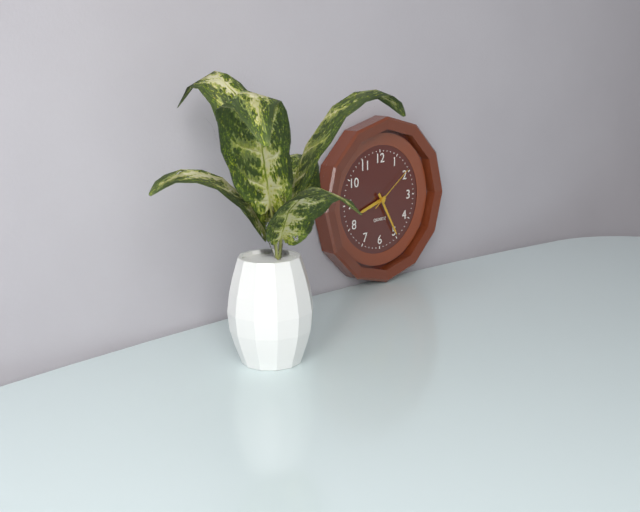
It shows h=8 m=25 s=9
